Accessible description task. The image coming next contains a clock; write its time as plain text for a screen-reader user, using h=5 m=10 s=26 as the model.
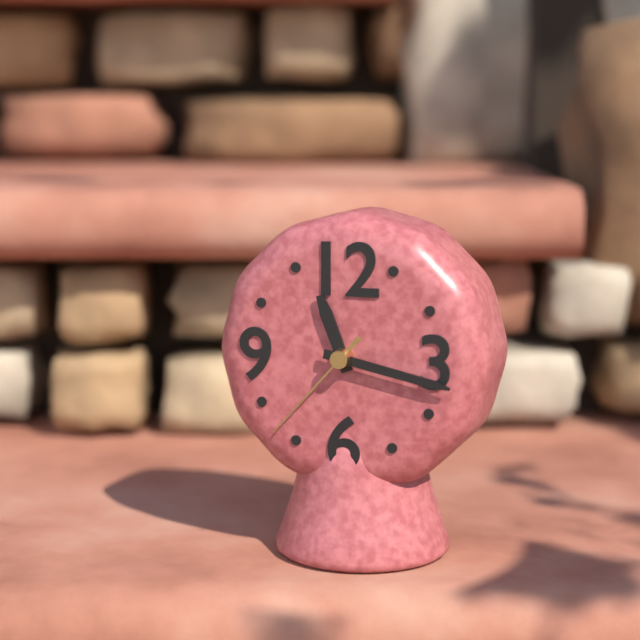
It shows h=11 m=17 s=37
